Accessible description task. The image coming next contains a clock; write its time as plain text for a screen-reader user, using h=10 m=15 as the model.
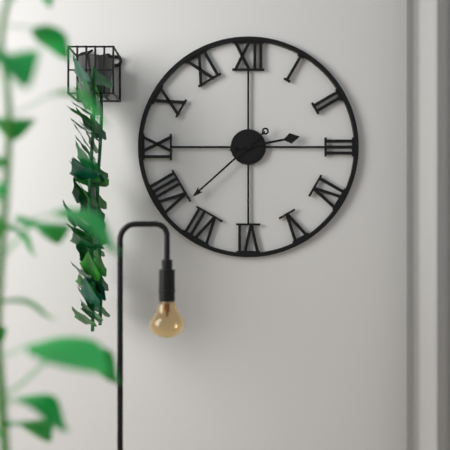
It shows h=2 m=38
